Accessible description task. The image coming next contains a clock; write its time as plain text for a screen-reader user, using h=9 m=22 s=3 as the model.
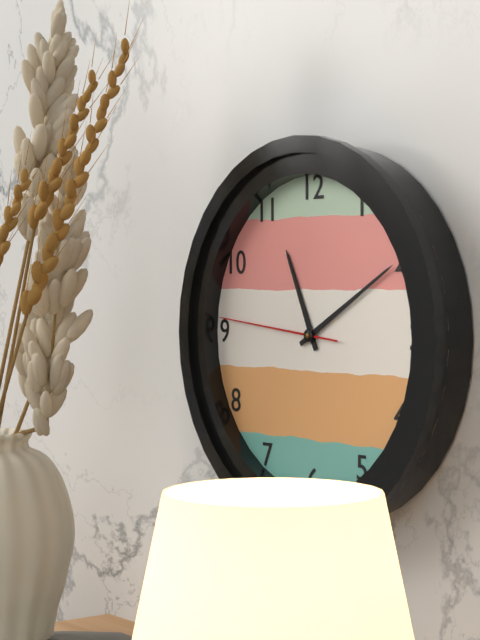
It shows h=11 m=10 s=46
